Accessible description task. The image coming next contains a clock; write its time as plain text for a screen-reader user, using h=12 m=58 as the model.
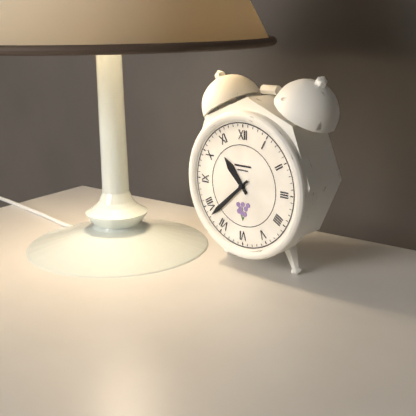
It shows h=10 m=38
